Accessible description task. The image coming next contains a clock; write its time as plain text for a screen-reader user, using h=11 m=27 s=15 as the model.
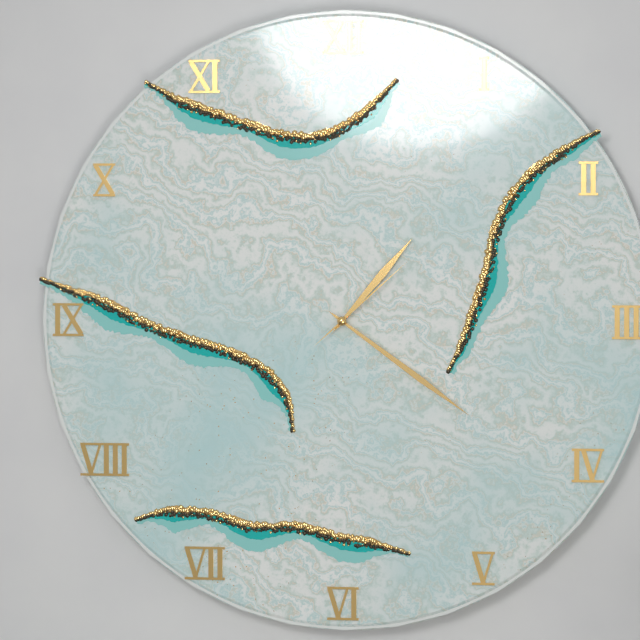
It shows h=1 m=21 s=8
